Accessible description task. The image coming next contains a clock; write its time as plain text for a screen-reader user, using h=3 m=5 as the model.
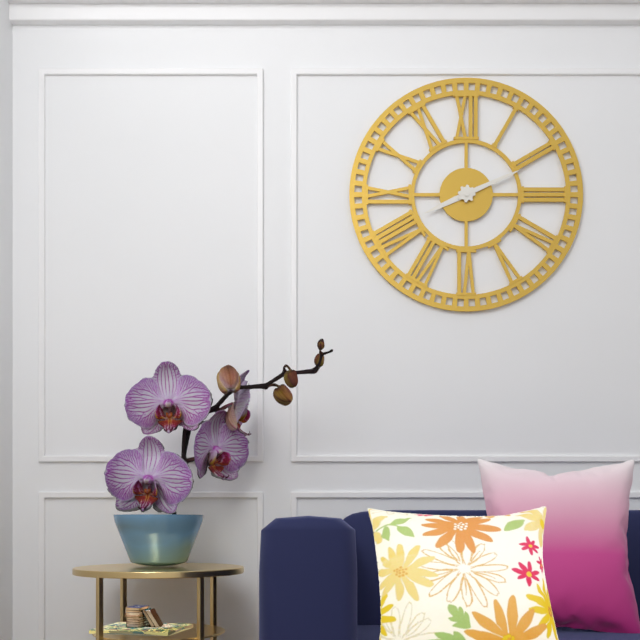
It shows h=8 m=11
